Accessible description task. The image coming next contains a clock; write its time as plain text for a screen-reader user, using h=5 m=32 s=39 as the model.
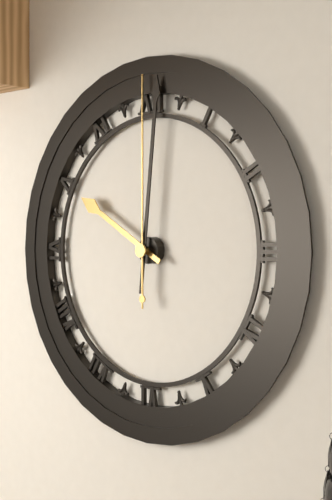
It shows h=10 m=1 s=0
